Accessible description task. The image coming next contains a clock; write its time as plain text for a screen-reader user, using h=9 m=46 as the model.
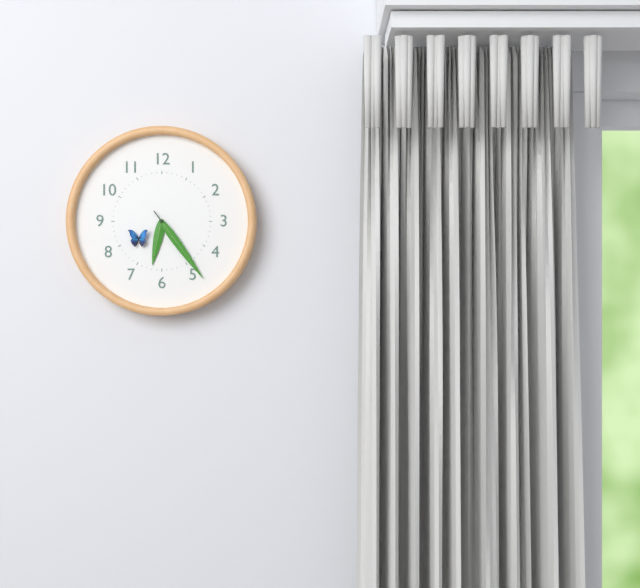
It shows h=6 m=24
